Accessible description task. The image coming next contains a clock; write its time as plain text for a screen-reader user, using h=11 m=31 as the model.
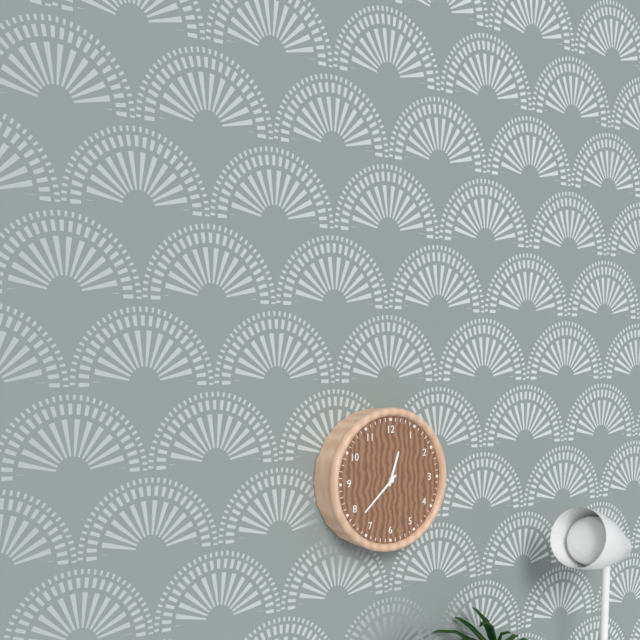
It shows h=12 m=38
